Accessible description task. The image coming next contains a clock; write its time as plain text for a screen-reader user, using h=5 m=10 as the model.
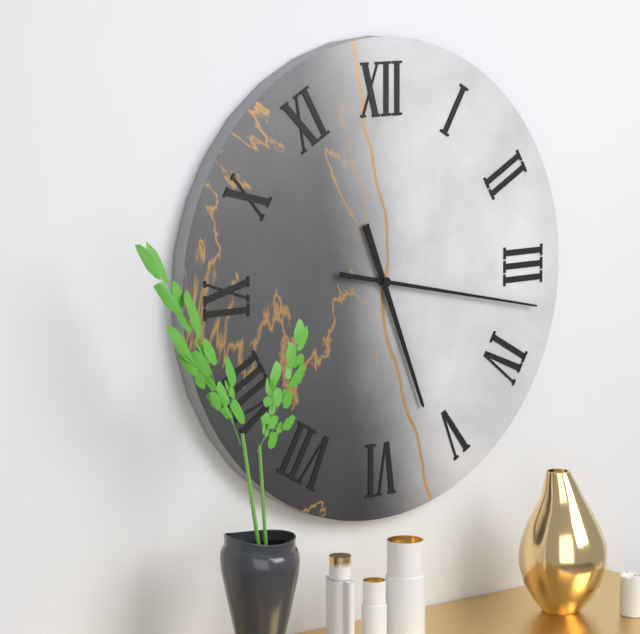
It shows h=5 m=17
